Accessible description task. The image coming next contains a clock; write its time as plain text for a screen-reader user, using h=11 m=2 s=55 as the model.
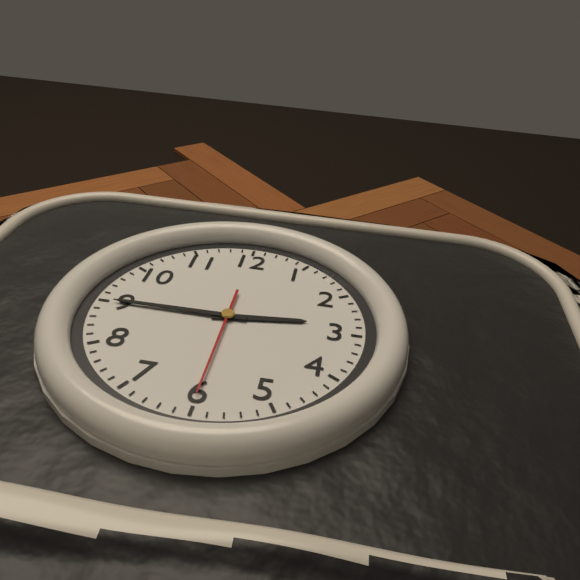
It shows h=2 m=45 s=30
